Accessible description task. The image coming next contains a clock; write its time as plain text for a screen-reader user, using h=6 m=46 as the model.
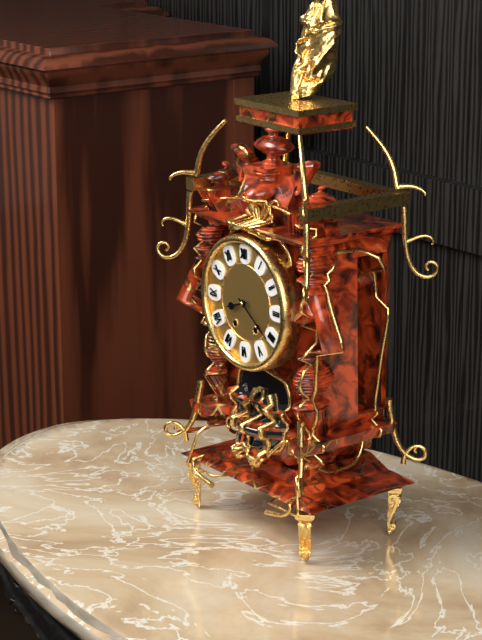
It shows h=8 m=21
